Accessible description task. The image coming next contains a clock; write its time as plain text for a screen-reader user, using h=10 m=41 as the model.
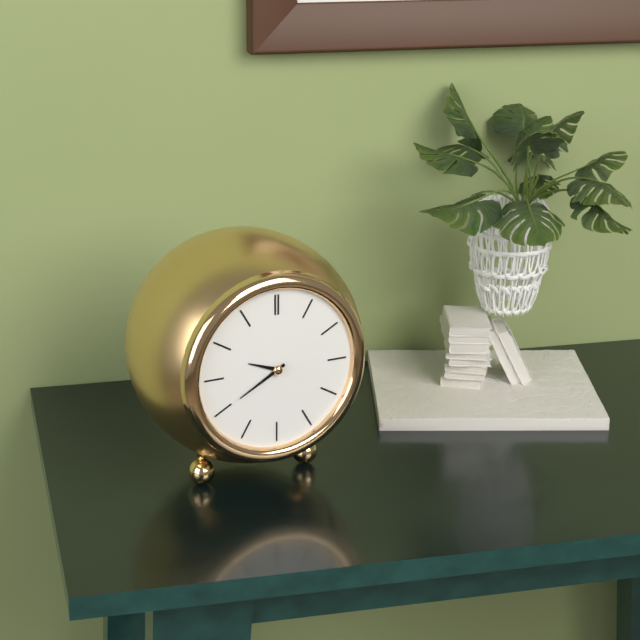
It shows h=9 m=40
